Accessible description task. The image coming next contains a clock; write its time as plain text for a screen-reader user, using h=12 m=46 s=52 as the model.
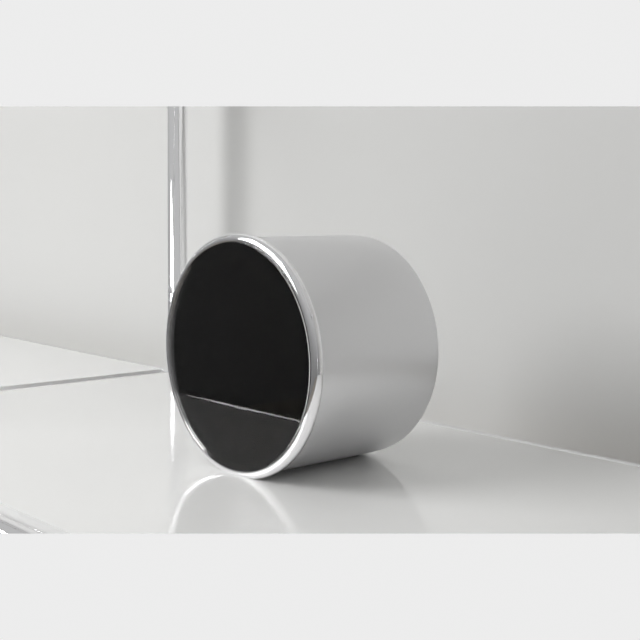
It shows h=8 m=34 s=31
